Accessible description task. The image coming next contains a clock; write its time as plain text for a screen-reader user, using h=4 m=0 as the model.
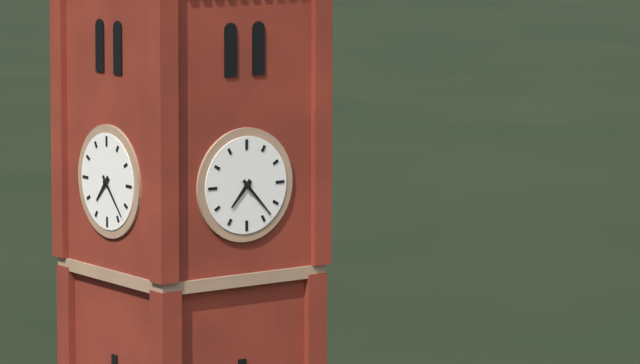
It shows h=7 m=23
